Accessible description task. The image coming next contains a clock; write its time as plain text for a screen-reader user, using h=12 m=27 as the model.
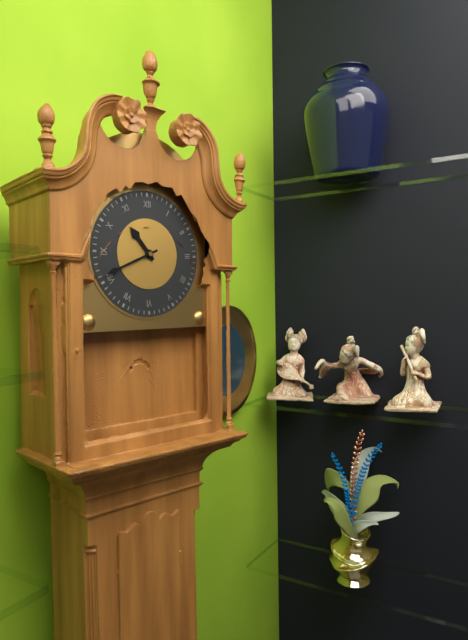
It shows h=10 m=41
